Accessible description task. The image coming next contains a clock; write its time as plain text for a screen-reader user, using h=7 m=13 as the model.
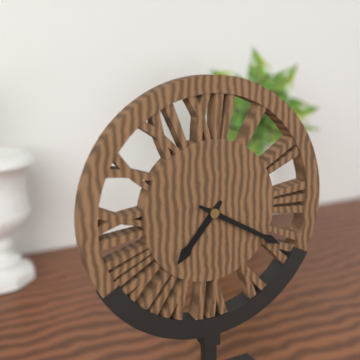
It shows h=7 m=20
